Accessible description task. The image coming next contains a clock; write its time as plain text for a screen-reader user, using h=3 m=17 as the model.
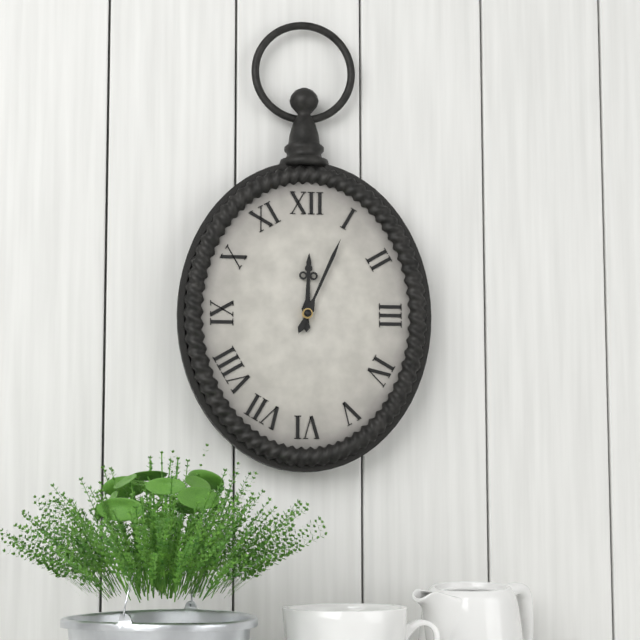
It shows h=12 m=4
